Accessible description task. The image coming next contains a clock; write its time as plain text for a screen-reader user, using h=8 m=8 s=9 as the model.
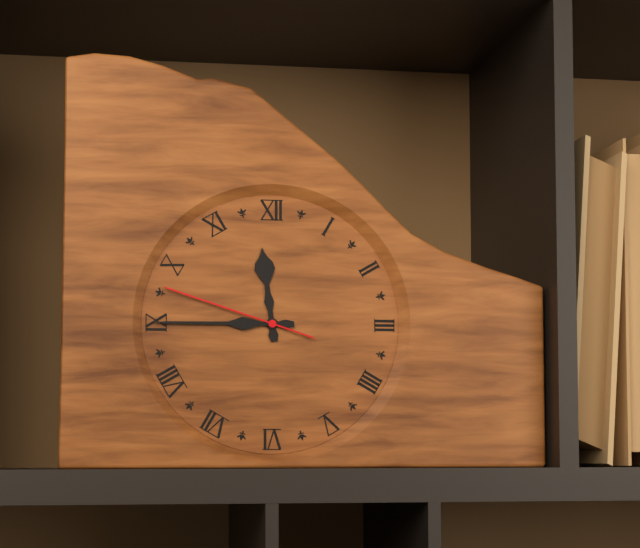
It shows h=11 m=45 s=48
